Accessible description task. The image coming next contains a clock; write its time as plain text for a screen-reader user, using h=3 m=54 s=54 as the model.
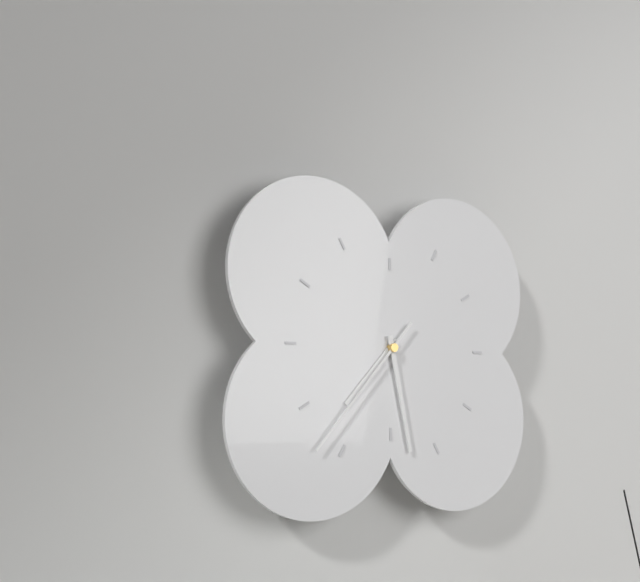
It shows h=7 m=28 s=37
